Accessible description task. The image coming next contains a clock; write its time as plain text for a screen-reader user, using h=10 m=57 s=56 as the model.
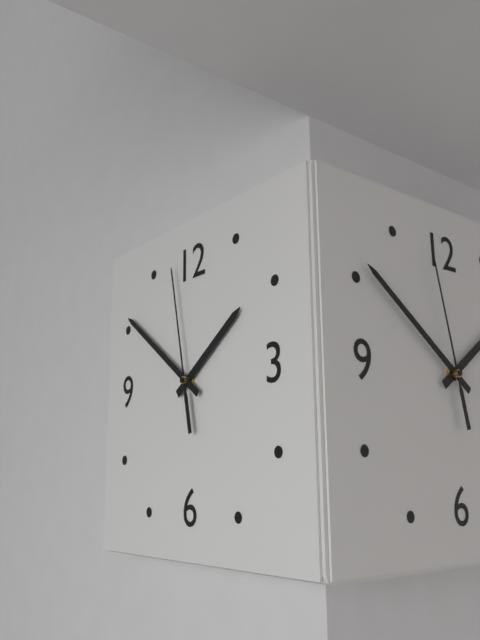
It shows h=1 m=51 s=58
